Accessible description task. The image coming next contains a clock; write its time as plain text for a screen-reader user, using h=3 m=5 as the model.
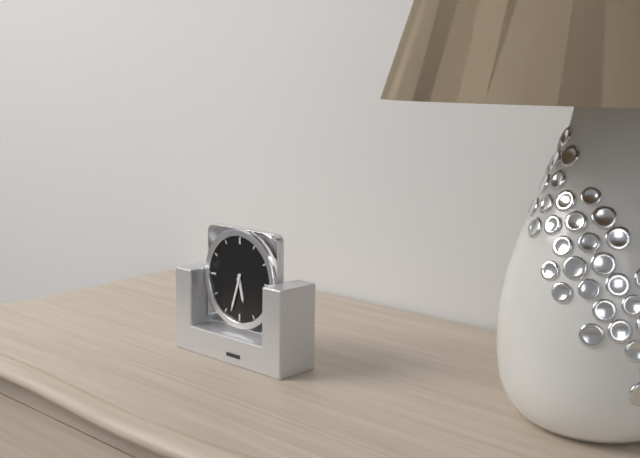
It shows h=5 m=33
